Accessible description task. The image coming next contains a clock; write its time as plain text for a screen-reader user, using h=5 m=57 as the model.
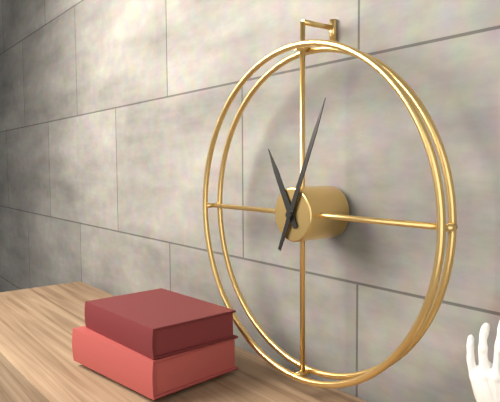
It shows h=11 m=4
